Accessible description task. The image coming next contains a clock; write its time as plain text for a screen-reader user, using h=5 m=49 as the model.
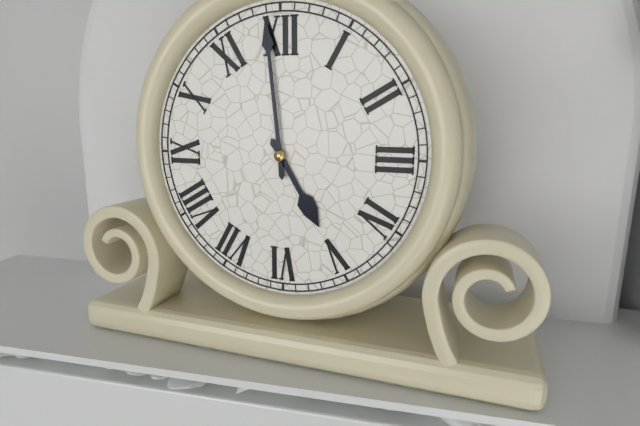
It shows h=4 m=59
